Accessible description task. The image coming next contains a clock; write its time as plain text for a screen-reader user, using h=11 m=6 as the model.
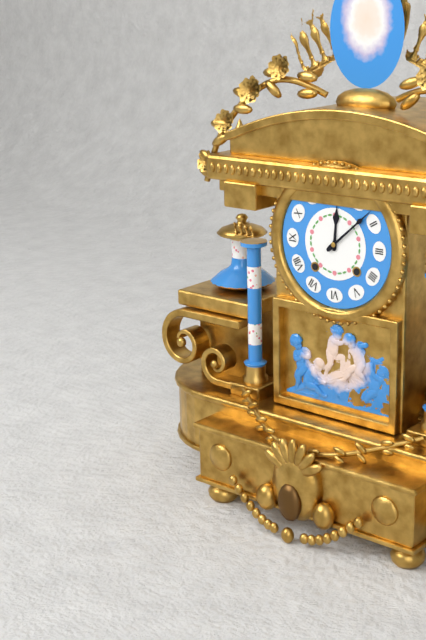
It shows h=12 m=8
